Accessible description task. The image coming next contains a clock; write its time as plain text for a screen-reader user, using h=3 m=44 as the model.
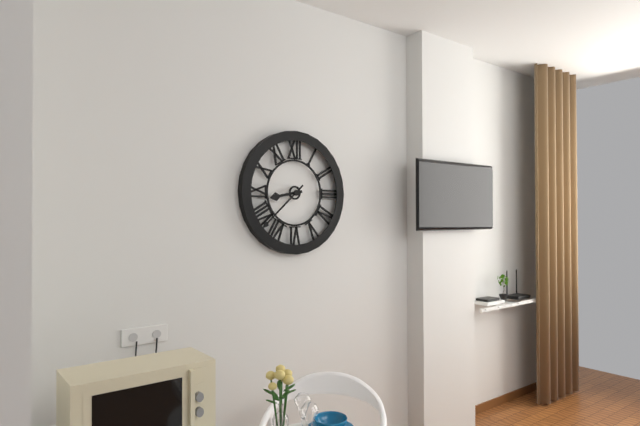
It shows h=8 m=38
